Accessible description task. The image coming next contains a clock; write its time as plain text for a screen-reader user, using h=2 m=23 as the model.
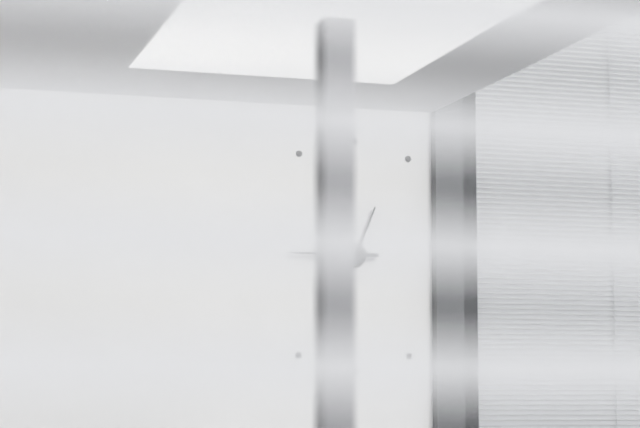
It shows h=12 m=45
